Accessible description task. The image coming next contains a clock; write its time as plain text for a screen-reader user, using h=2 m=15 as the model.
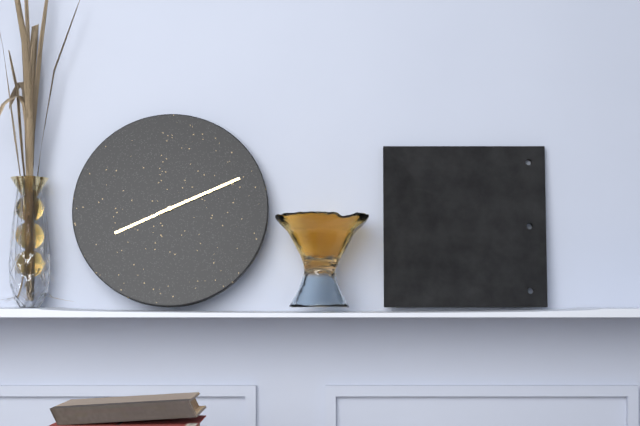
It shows h=8 m=11
